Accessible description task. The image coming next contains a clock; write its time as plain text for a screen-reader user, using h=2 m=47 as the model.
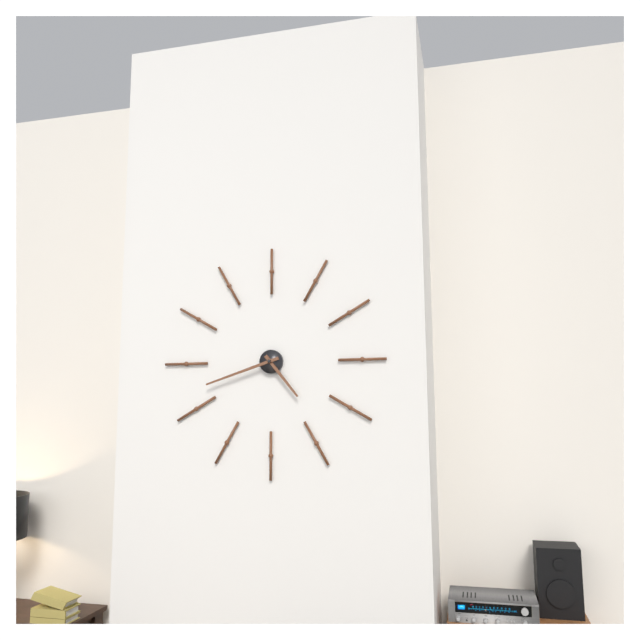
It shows h=4 m=42
